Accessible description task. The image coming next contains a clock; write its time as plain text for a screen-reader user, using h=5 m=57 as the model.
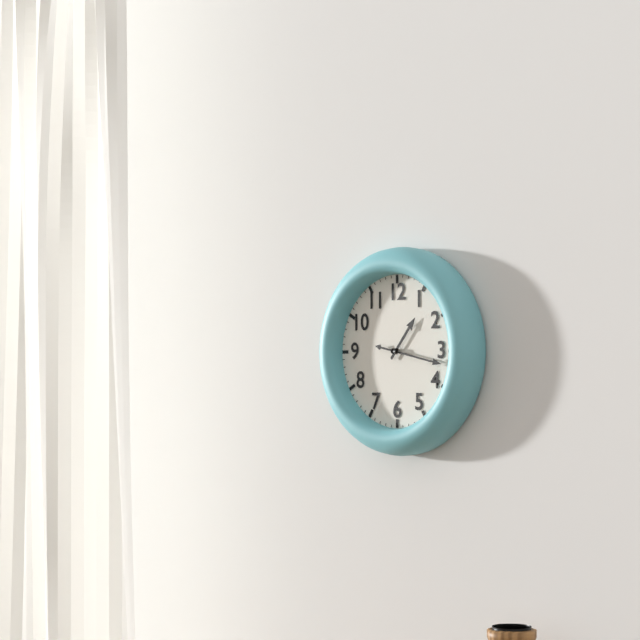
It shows h=1 m=17
